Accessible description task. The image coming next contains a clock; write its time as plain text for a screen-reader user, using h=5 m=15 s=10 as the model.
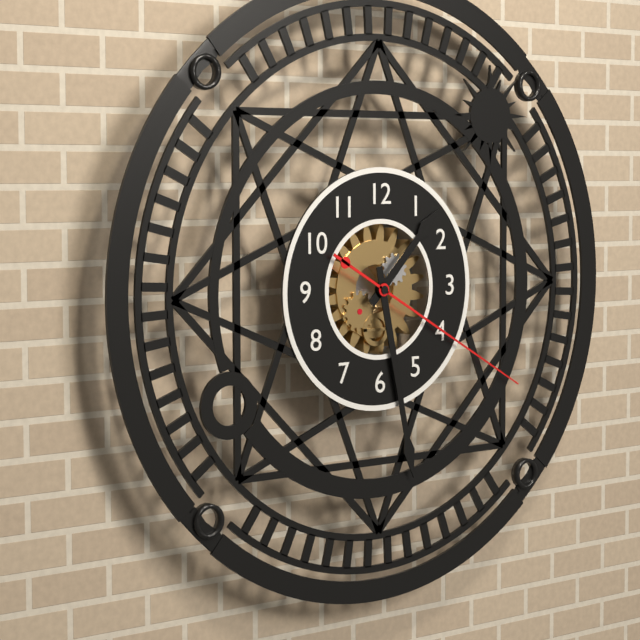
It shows h=1 m=28 s=20
